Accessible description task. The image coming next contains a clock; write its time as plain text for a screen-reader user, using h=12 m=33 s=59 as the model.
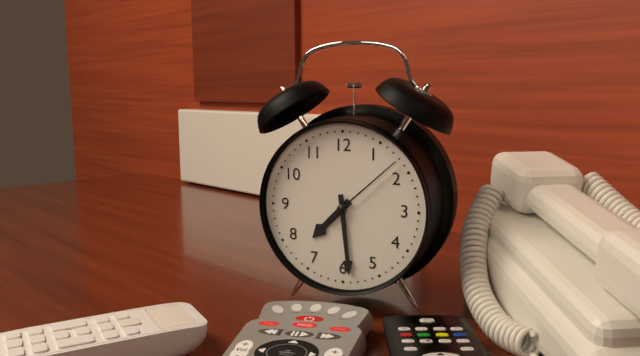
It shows h=7 m=29 s=8
